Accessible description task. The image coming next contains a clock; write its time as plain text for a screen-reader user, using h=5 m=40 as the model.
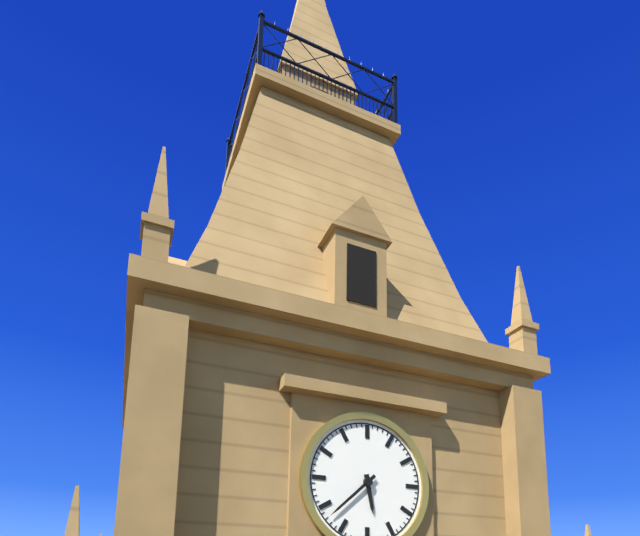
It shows h=5 m=38
